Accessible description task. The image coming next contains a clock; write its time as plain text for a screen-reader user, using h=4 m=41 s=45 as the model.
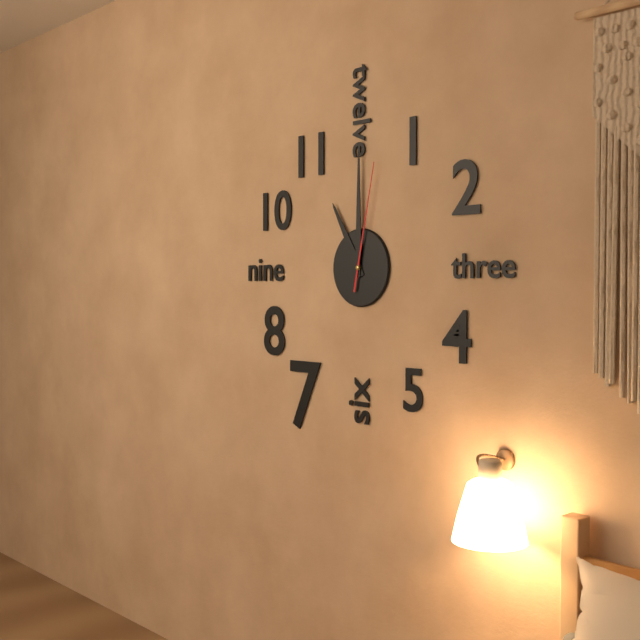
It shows h=11 m=0 s=2
